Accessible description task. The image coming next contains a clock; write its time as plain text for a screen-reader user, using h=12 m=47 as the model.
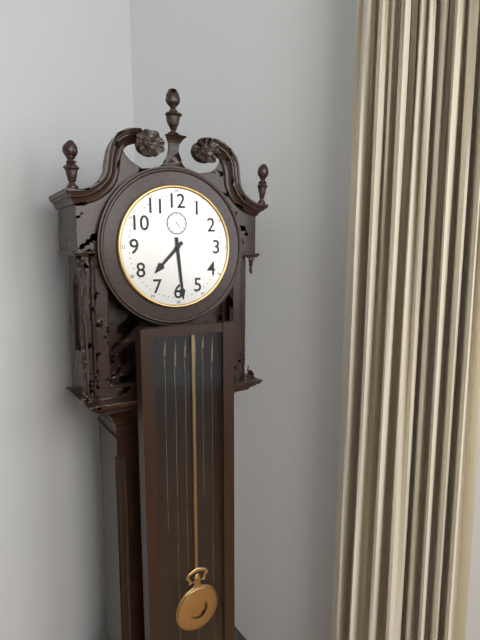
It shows h=7 m=29
